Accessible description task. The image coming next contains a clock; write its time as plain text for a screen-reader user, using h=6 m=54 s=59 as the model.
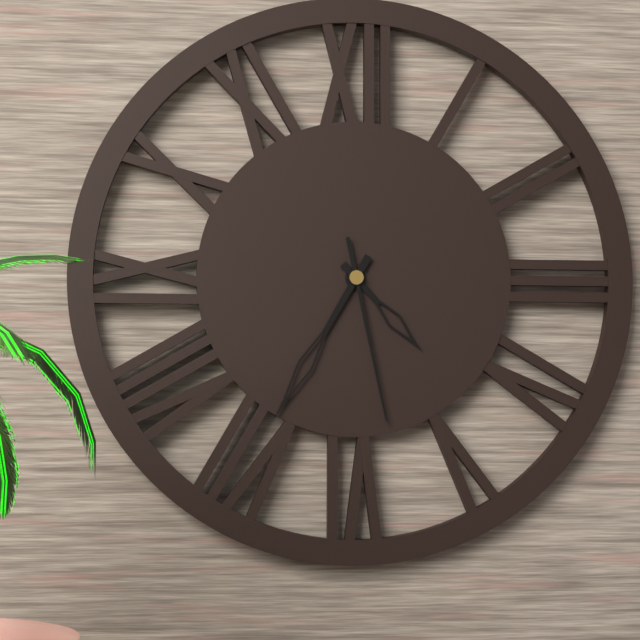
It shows h=4 m=35 s=28
